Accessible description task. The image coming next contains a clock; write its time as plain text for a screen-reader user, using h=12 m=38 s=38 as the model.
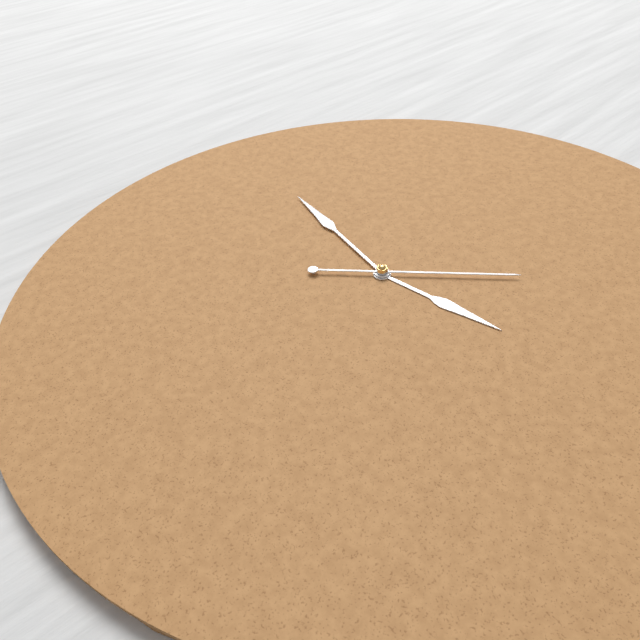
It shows h=2 m=47 s=8
